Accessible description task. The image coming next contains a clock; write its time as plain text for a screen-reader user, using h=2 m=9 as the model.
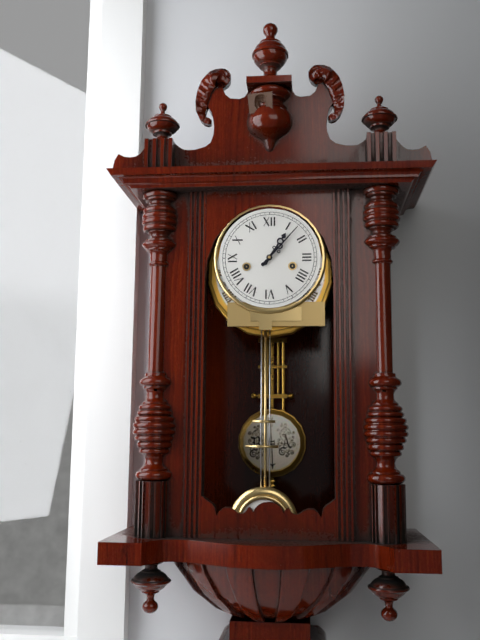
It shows h=1 m=7
